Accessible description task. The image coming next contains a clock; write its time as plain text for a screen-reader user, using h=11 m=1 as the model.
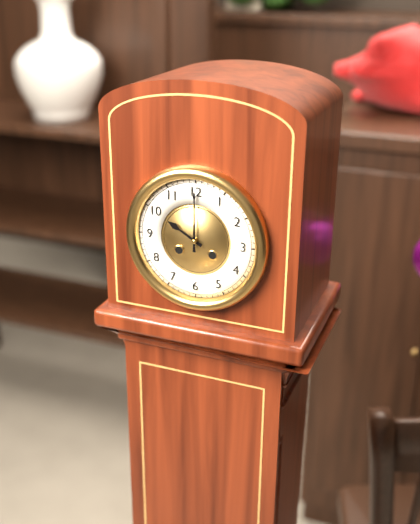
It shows h=10 m=0
